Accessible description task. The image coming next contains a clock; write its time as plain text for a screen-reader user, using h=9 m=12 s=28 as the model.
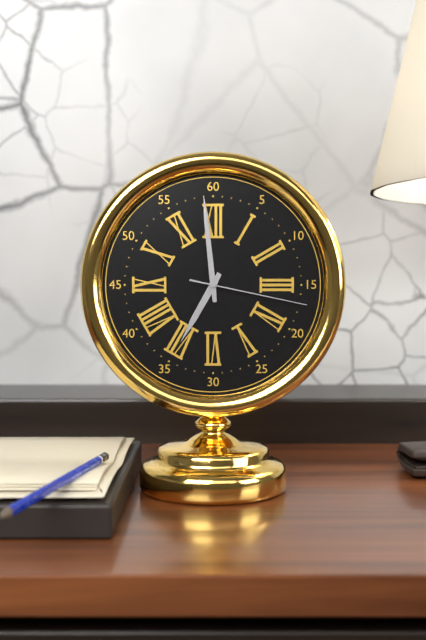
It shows h=6 m=59 s=17
